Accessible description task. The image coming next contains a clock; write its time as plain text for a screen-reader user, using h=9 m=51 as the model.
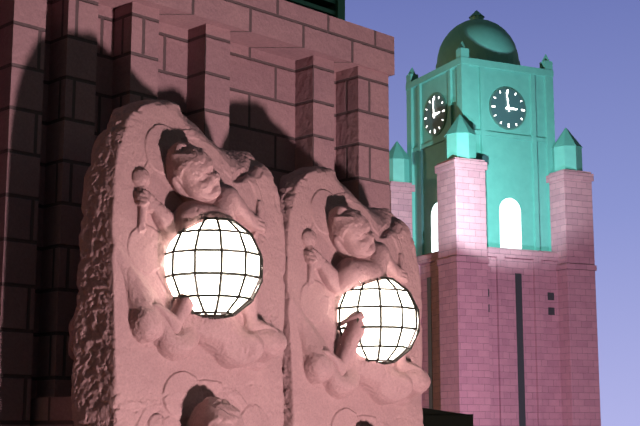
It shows h=2 m=59
